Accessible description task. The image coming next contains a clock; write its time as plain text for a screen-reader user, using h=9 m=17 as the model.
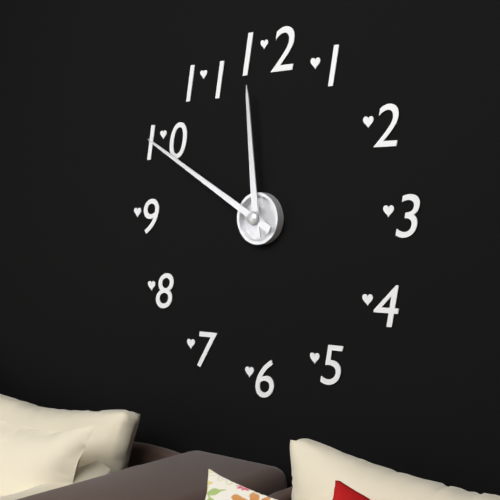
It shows h=11 m=50
